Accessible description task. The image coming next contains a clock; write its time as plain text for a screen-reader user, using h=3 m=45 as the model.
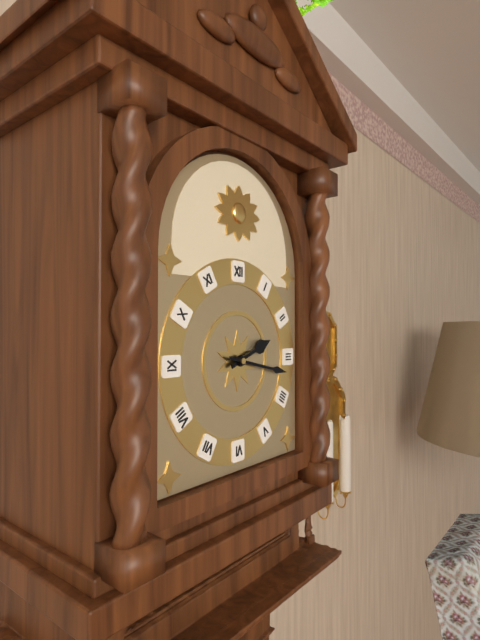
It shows h=2 m=17
